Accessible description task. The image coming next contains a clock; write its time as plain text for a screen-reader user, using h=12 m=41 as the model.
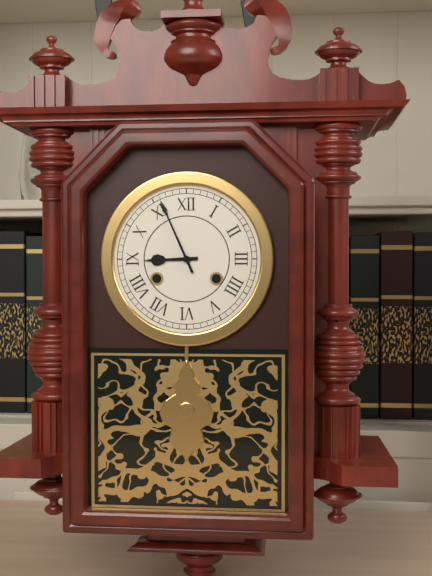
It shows h=8 m=56
